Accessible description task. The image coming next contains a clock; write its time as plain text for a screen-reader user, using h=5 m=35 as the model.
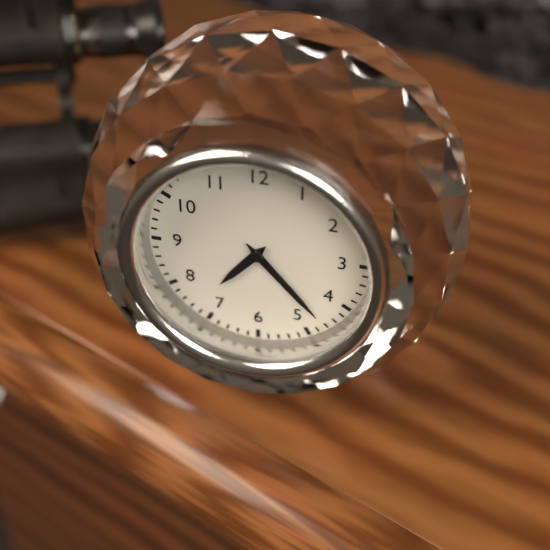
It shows h=7 m=23
